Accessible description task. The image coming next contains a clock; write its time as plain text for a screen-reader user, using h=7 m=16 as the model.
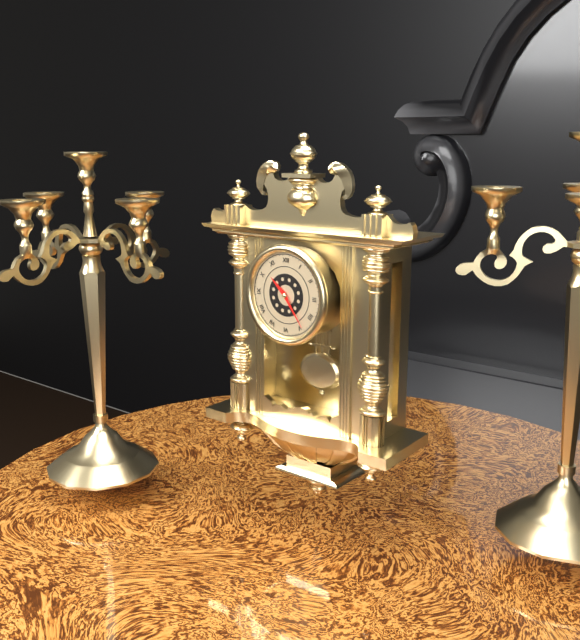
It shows h=10 m=24
